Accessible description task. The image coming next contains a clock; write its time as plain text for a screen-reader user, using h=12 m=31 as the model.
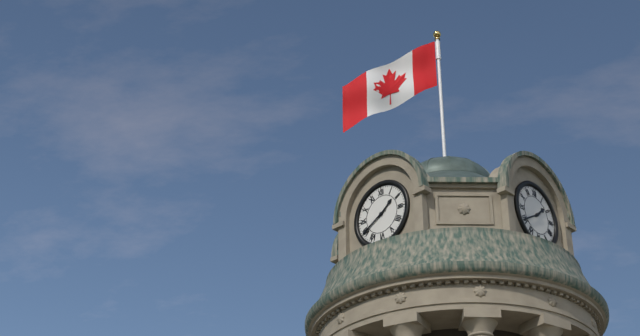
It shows h=1 m=40
